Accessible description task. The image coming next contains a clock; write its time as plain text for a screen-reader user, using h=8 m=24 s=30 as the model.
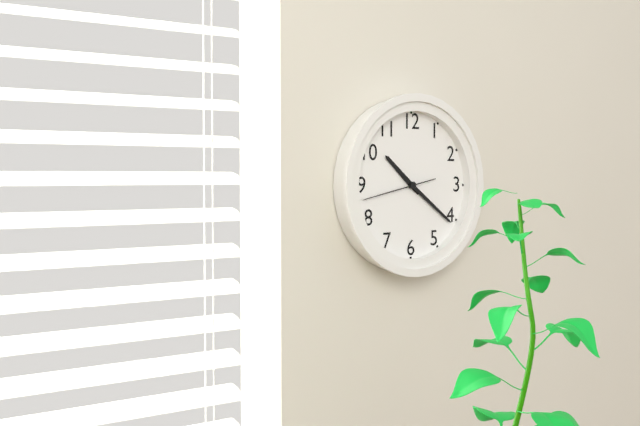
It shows h=10 m=21 s=43
